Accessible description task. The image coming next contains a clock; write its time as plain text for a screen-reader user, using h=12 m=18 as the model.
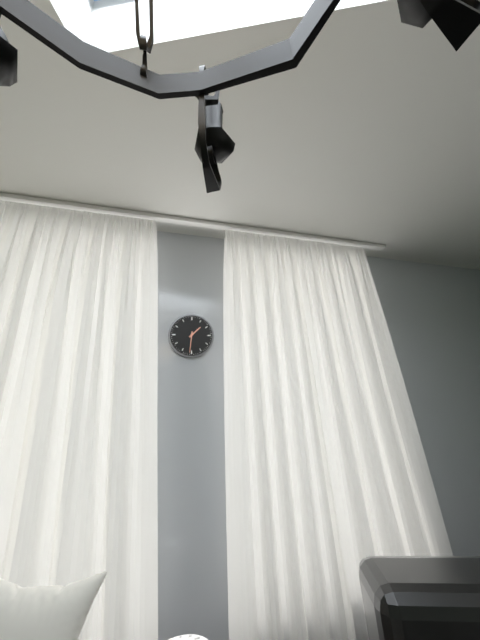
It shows h=1 m=31
